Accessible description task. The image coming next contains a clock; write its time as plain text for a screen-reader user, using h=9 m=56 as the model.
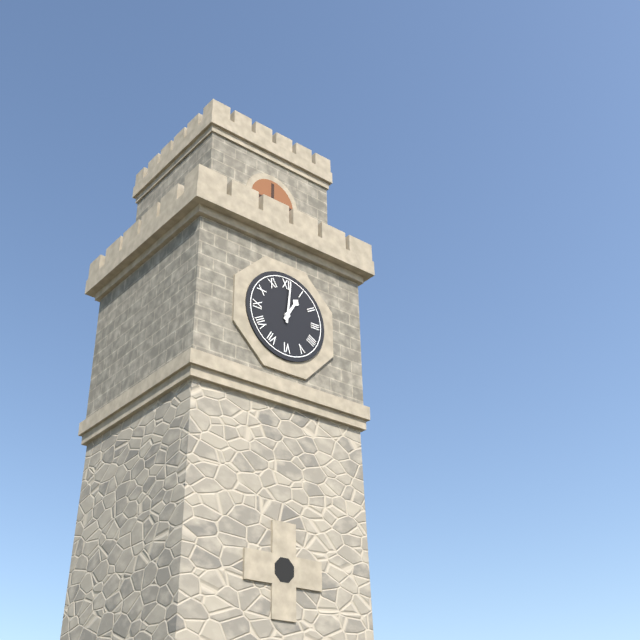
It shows h=1 m=1
